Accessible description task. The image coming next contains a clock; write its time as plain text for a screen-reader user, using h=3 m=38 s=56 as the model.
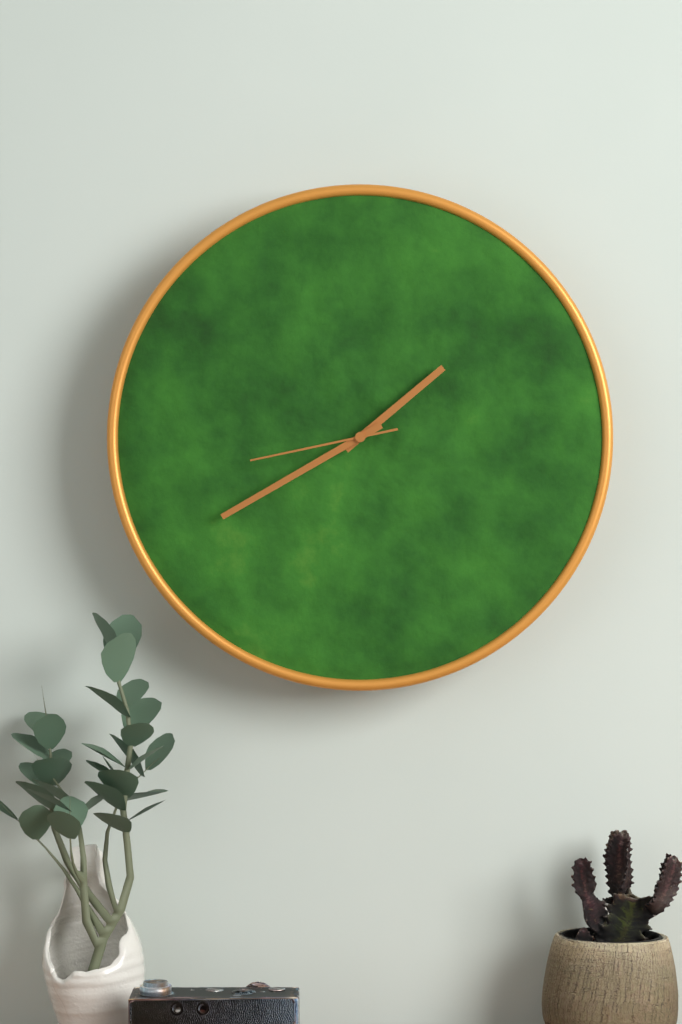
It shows h=1 m=40 s=43
